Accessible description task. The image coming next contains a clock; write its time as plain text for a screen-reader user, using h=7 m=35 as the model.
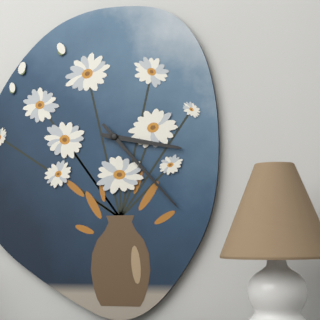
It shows h=3 m=23
